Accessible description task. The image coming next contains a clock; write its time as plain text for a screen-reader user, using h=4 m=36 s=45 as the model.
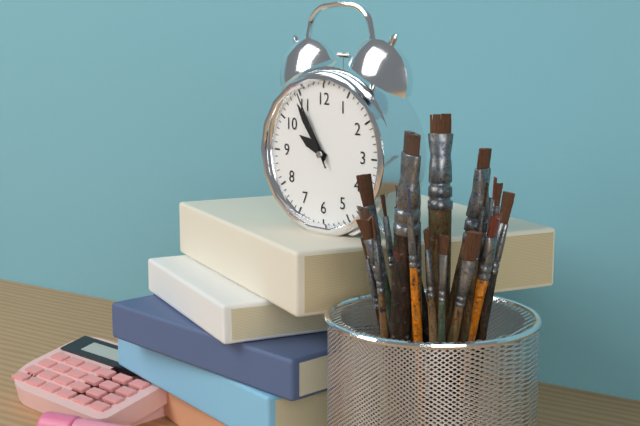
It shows h=9 m=54 s=55
